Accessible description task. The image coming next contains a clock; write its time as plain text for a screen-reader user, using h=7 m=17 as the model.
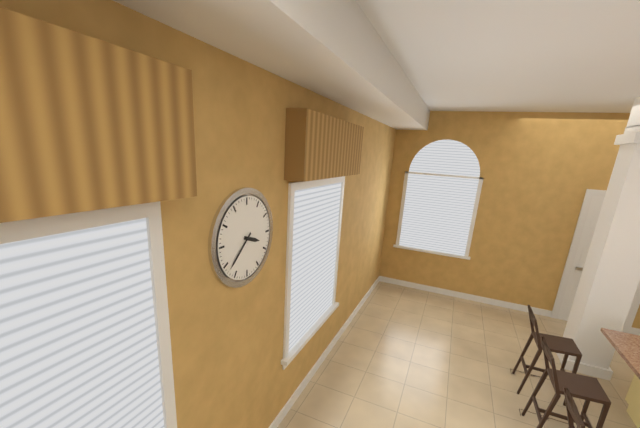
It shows h=3 m=38
